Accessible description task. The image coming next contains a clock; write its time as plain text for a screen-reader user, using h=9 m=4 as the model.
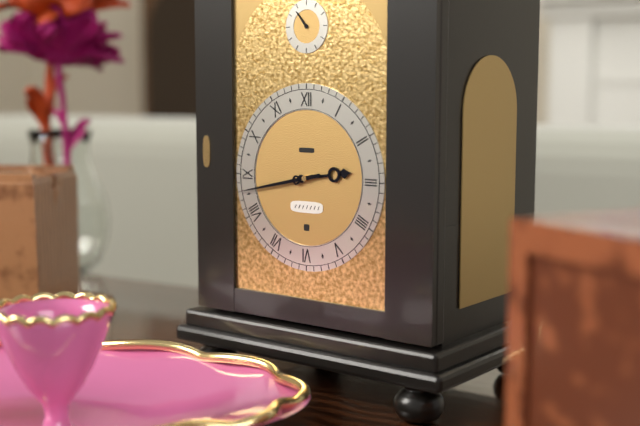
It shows h=2 m=43
